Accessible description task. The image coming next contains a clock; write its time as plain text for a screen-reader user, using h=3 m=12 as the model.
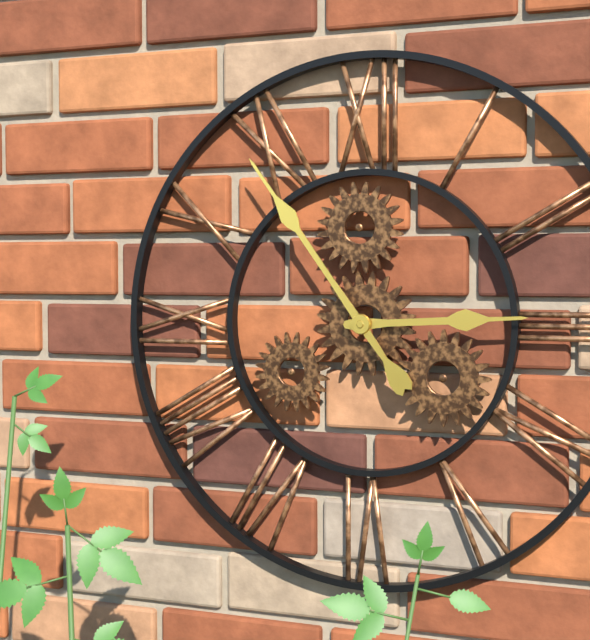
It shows h=2 m=54
